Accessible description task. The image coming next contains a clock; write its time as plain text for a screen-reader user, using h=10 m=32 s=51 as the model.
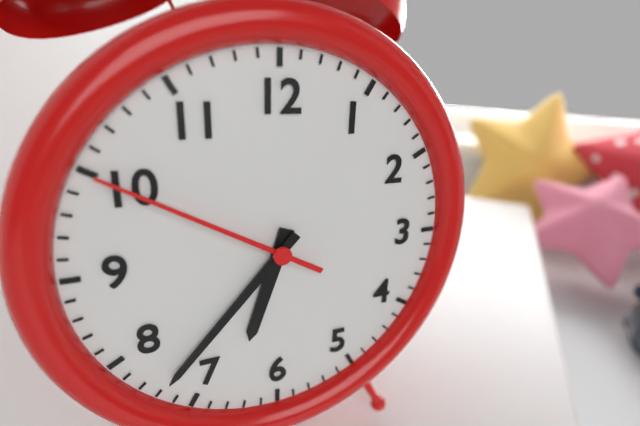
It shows h=6 m=37 s=50
